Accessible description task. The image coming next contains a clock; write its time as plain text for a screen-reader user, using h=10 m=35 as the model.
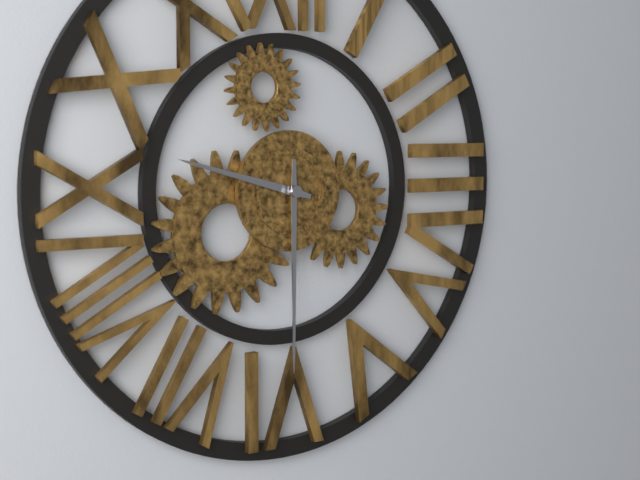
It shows h=9 m=30
